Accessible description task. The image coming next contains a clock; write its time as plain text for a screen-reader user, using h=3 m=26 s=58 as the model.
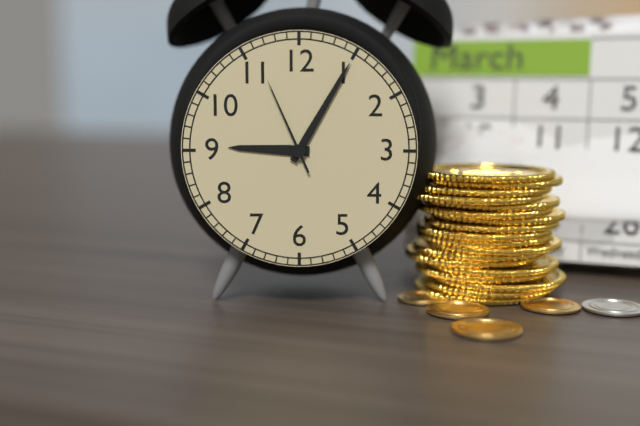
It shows h=9 m=5 s=56
